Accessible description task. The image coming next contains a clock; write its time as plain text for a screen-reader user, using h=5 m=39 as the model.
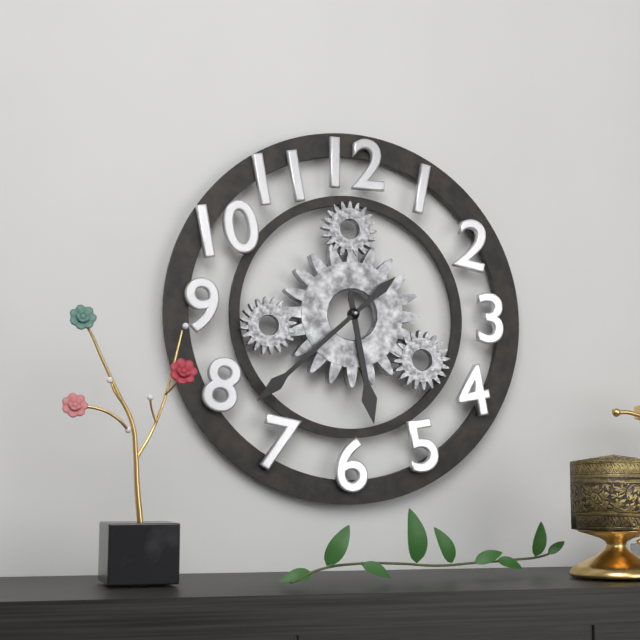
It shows h=5 m=38
